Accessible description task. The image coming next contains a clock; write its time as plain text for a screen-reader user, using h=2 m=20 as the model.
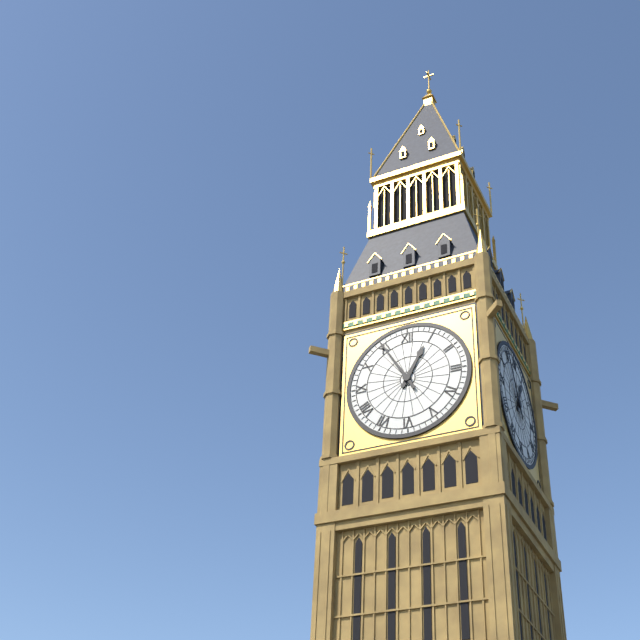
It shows h=12 m=55
